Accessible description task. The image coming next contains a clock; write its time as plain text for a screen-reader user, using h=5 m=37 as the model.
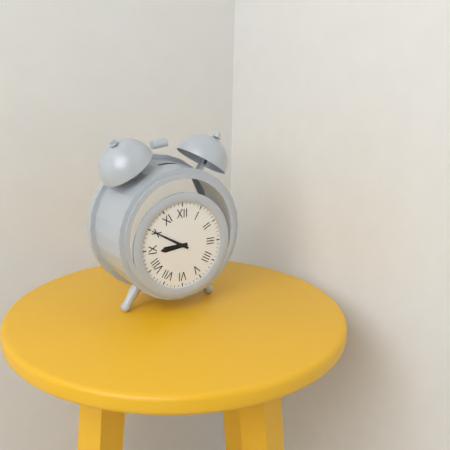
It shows h=8 m=50
